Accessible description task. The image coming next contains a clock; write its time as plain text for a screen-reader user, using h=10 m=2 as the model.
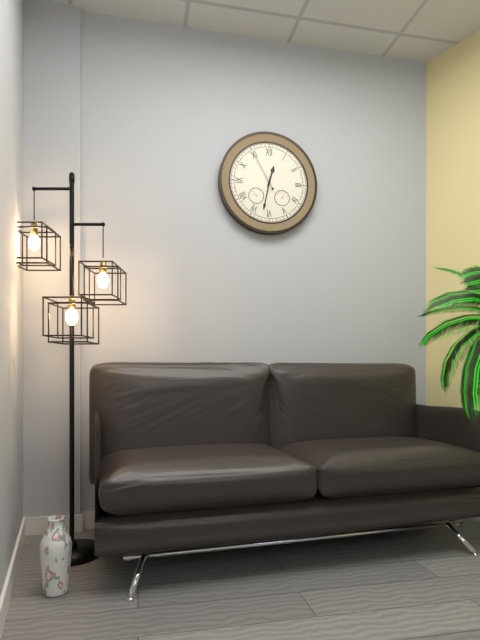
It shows h=12 m=32
